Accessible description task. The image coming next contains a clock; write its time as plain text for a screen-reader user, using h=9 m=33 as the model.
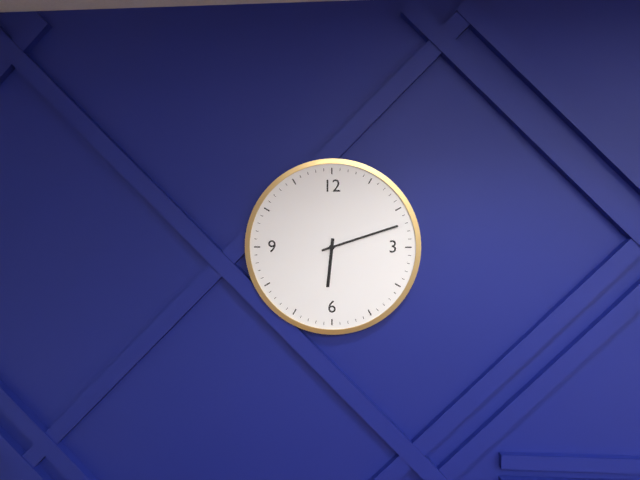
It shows h=6 m=12
